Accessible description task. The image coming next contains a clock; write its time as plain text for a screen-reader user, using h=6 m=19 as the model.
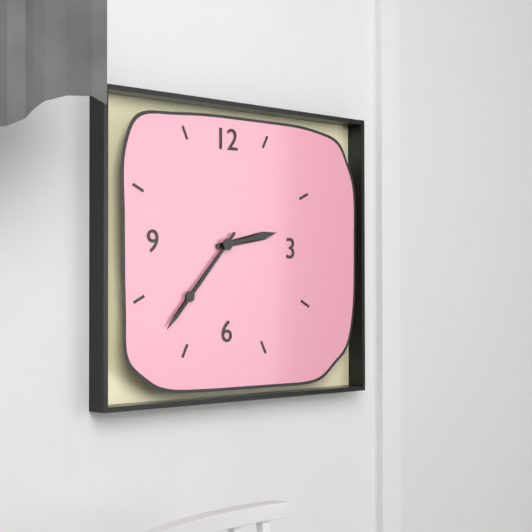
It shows h=2 m=37
